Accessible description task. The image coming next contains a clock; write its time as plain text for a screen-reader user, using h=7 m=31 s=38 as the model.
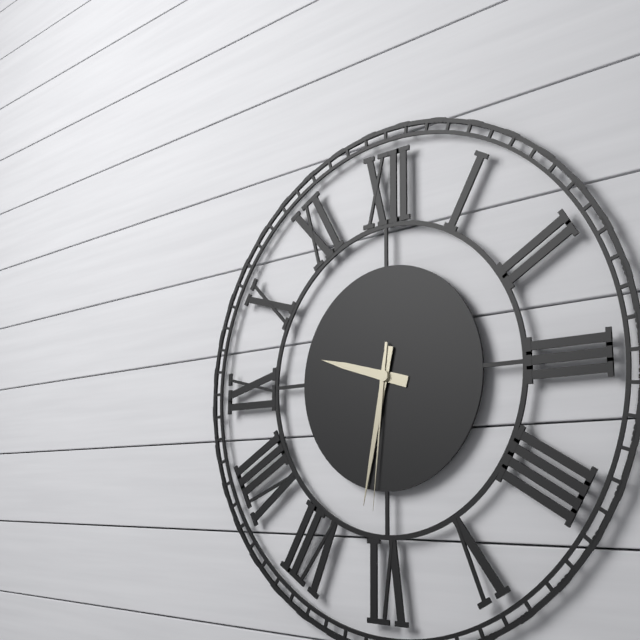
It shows h=9 m=32 s=31
